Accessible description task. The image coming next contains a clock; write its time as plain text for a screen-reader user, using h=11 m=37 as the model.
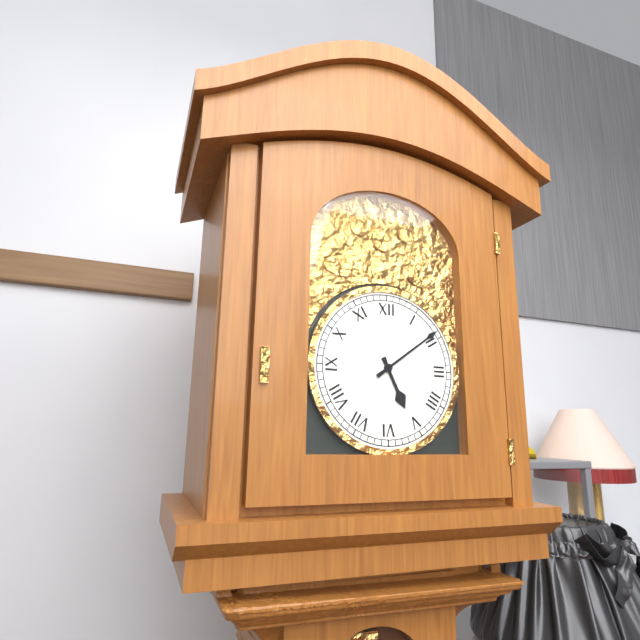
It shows h=5 m=9
